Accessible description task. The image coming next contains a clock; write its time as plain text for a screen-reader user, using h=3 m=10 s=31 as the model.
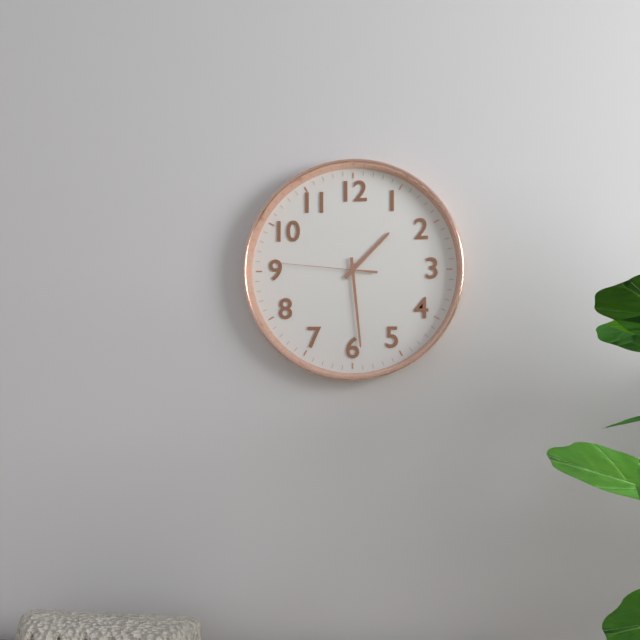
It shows h=1 m=29 s=46
